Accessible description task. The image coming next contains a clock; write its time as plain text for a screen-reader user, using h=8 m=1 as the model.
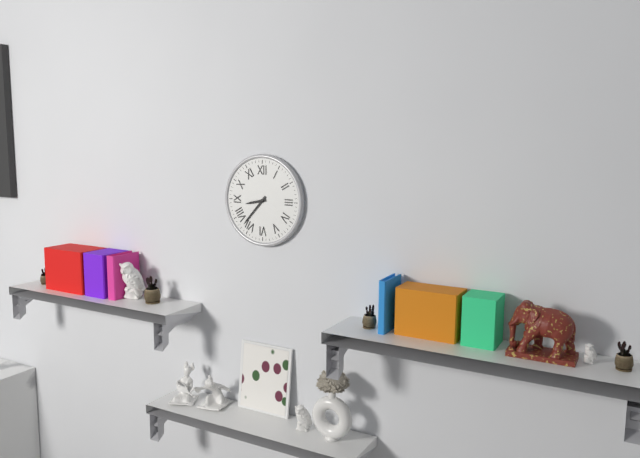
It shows h=8 m=37
